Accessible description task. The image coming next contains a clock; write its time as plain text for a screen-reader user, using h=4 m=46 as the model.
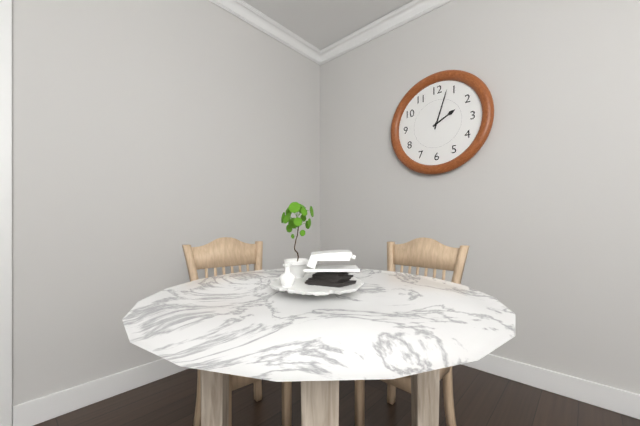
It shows h=2 m=3
